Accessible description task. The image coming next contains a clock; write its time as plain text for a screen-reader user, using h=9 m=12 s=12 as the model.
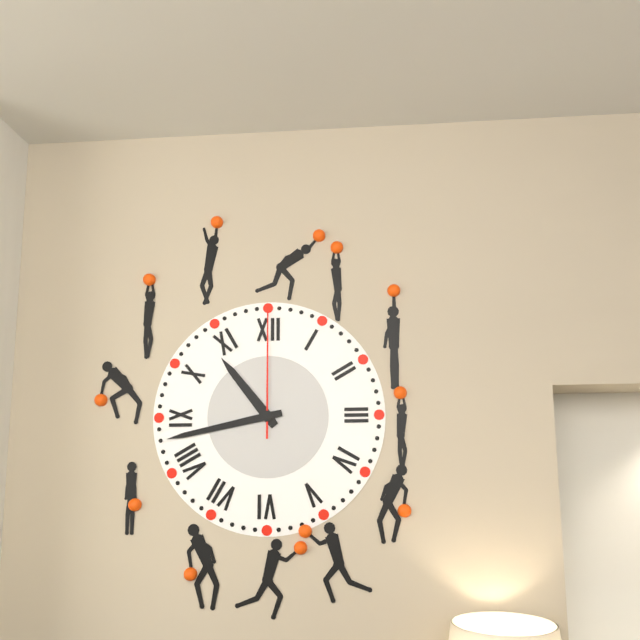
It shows h=10 m=43 s=0
